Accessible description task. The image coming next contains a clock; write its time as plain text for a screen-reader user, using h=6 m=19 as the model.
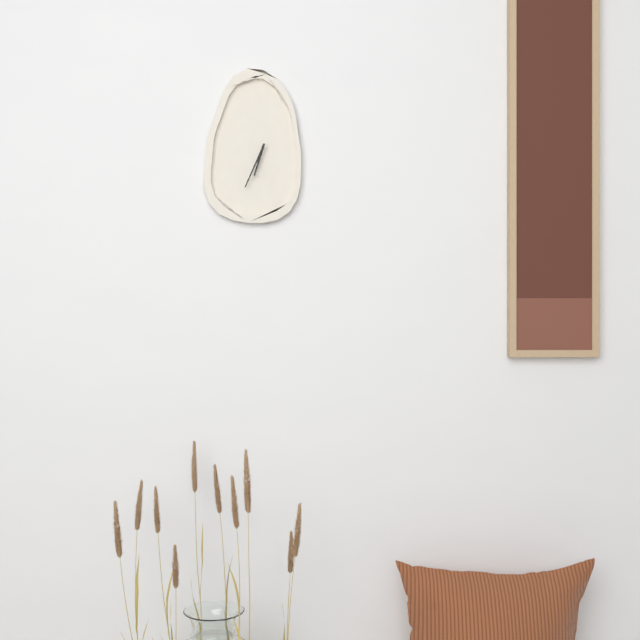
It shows h=6 m=34
